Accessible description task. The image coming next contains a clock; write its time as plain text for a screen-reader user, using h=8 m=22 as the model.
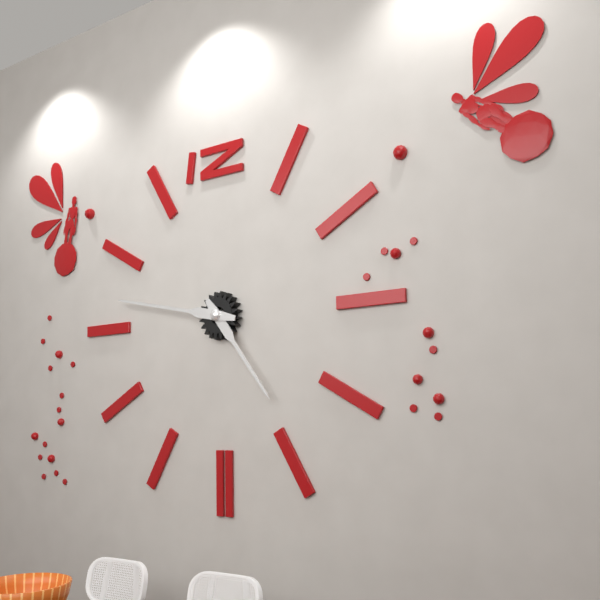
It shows h=4 m=47
